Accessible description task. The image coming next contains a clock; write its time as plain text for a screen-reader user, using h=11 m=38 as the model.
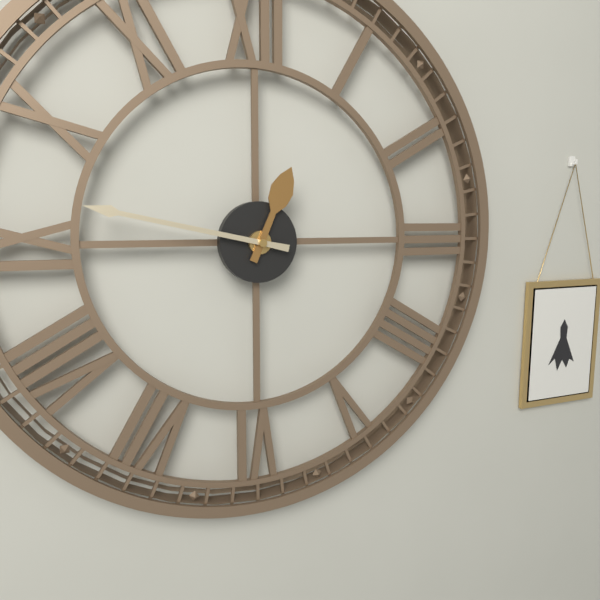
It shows h=12 m=47
